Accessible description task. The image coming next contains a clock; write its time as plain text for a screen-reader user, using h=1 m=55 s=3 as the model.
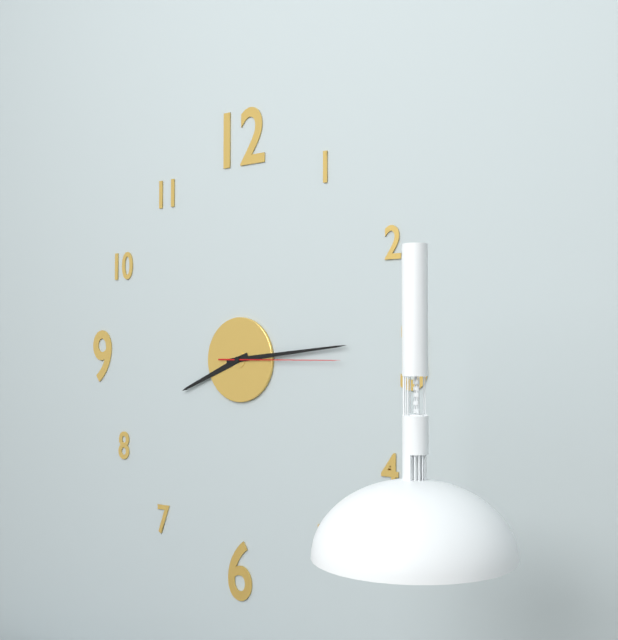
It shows h=8 m=14 s=15
